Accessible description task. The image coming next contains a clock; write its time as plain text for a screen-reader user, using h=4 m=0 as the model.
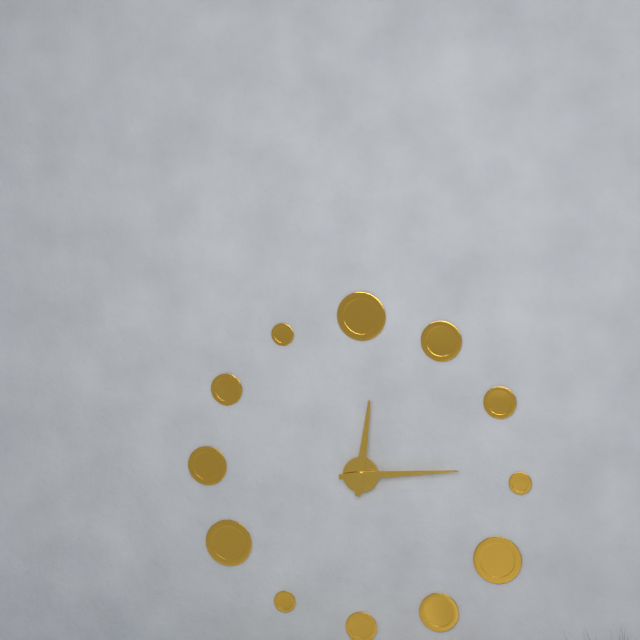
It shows h=12 m=14
